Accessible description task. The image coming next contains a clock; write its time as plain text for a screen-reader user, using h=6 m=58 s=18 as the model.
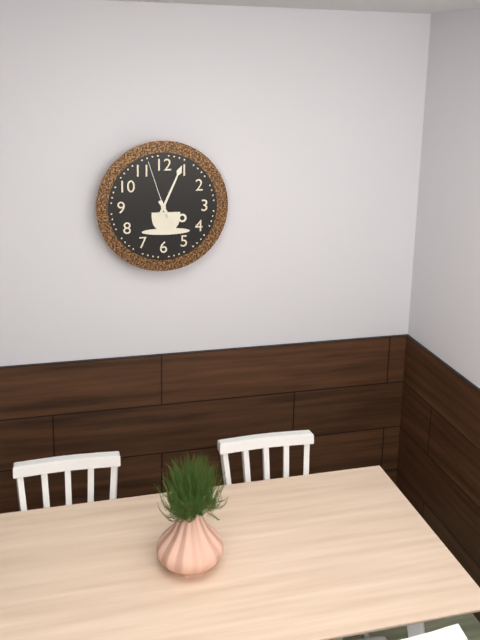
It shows h=5 m=4 s=57
